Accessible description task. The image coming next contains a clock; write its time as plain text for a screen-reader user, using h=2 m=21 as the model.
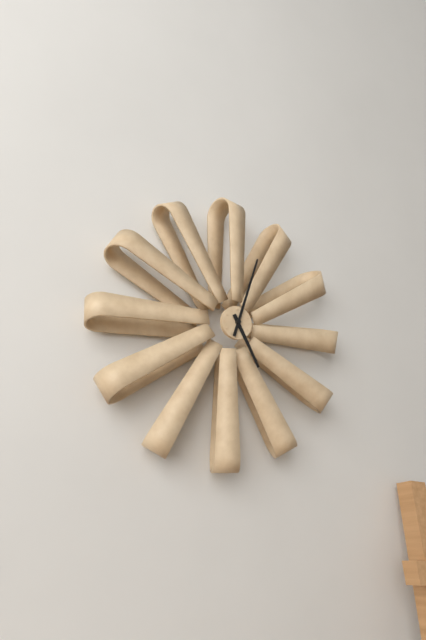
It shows h=5 m=3
